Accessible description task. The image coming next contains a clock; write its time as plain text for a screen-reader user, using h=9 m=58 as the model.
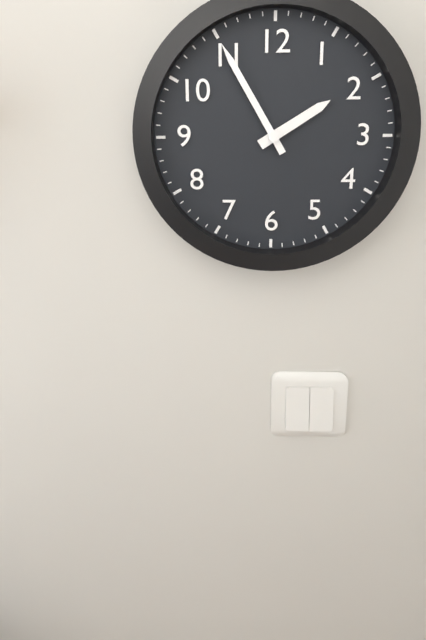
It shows h=1 m=55
